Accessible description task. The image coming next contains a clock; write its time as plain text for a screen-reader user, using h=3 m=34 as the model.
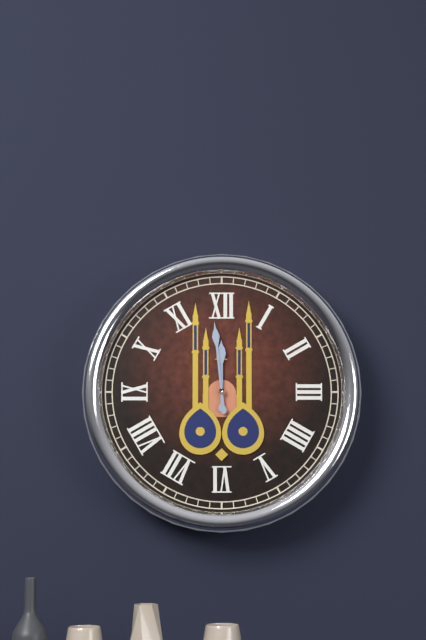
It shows h=11 m=59
